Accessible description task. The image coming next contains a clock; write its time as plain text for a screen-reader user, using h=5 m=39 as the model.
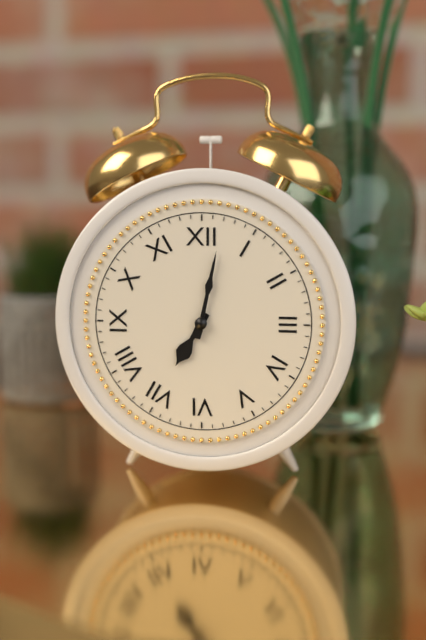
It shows h=7 m=2
